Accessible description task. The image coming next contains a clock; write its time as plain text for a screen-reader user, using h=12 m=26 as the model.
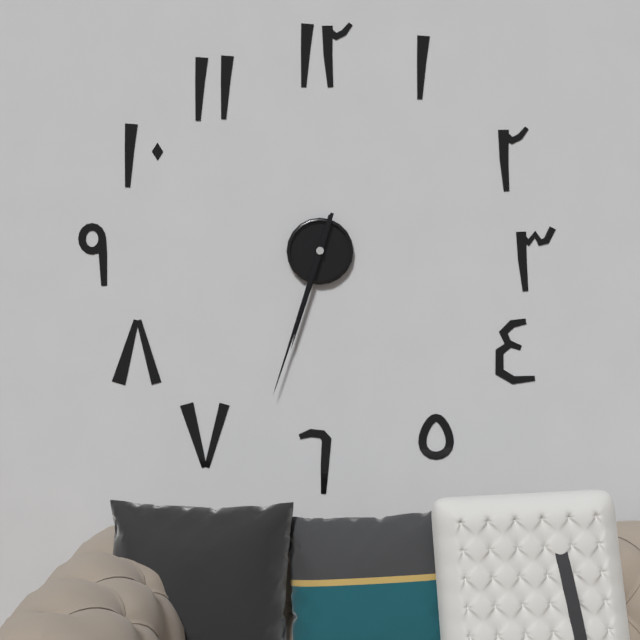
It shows h=6 m=33
